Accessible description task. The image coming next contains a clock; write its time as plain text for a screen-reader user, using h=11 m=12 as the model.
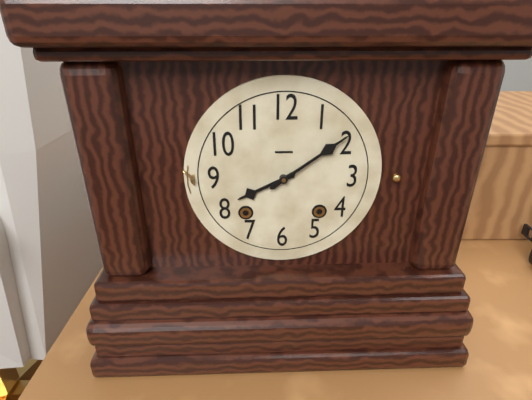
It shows h=8 m=9
